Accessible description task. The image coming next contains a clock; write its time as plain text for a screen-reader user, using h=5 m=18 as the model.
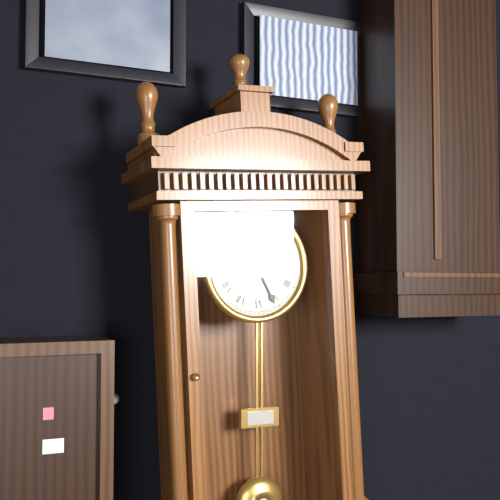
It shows h=8 m=26
